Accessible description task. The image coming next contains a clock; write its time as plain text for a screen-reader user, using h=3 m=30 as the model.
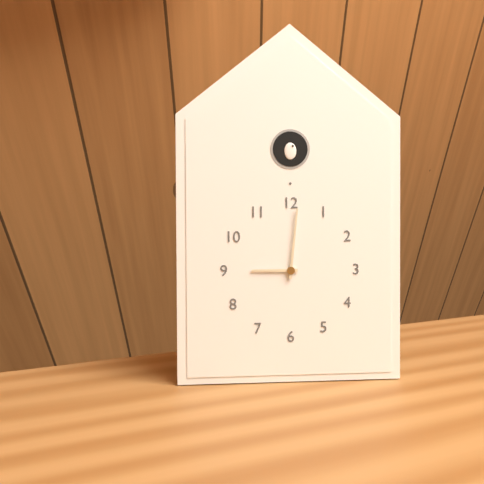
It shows h=9 m=1
